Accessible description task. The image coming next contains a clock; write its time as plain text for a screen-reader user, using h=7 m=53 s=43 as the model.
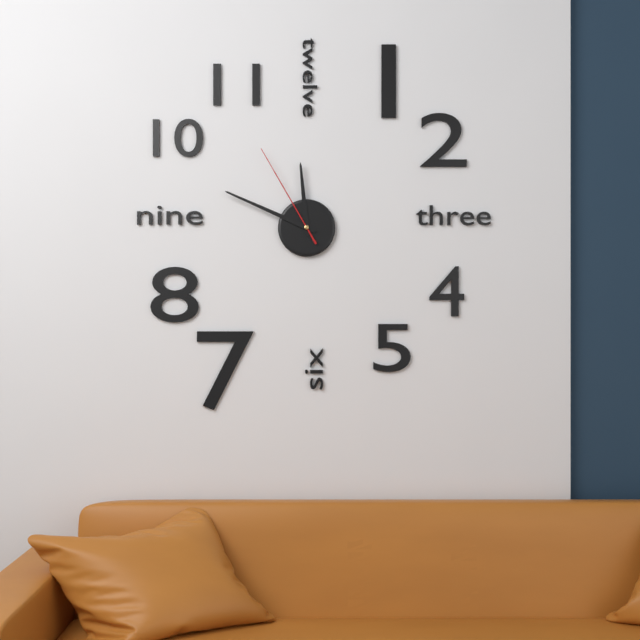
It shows h=11 m=49 s=55
